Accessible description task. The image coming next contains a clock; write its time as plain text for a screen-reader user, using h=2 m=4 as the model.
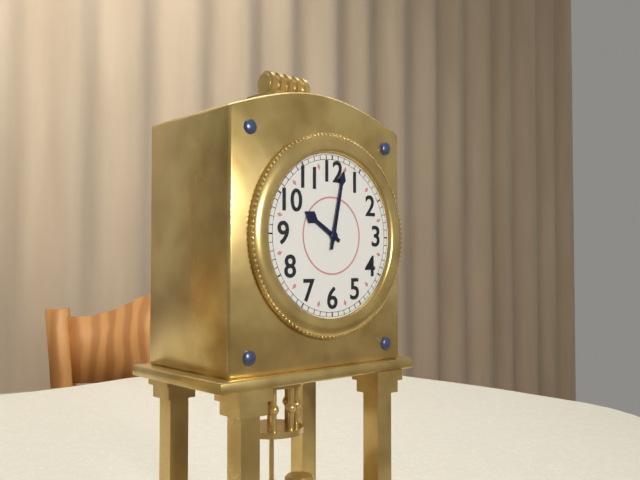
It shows h=10 m=2
